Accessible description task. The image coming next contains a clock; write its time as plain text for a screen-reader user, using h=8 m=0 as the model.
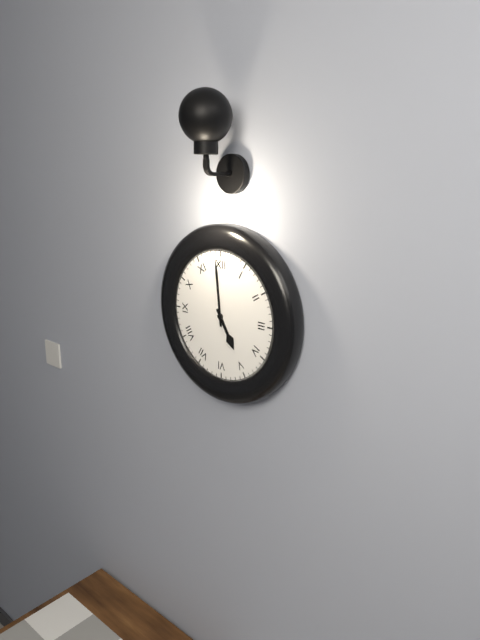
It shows h=4 m=59
